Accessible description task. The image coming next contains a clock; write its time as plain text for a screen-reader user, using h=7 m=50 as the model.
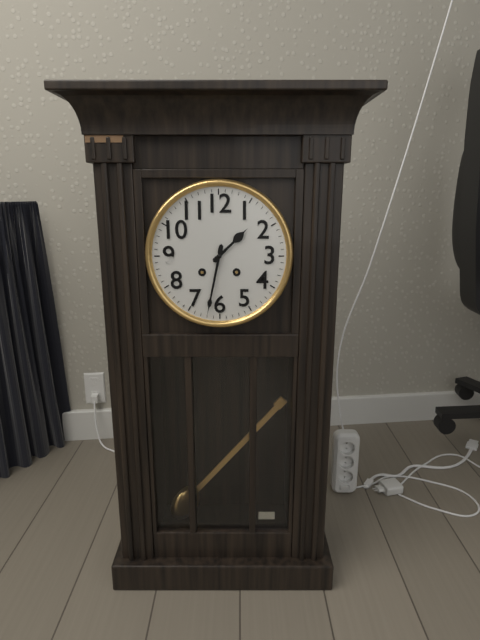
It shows h=1 m=32
